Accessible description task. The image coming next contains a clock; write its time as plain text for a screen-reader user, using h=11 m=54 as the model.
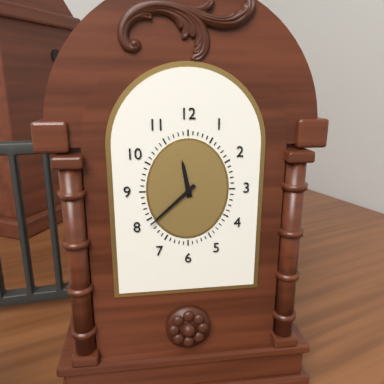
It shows h=11 m=38
